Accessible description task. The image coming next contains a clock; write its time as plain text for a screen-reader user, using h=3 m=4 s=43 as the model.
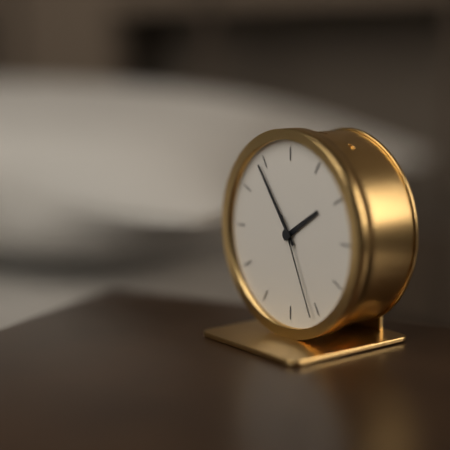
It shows h=1 m=54 s=26
